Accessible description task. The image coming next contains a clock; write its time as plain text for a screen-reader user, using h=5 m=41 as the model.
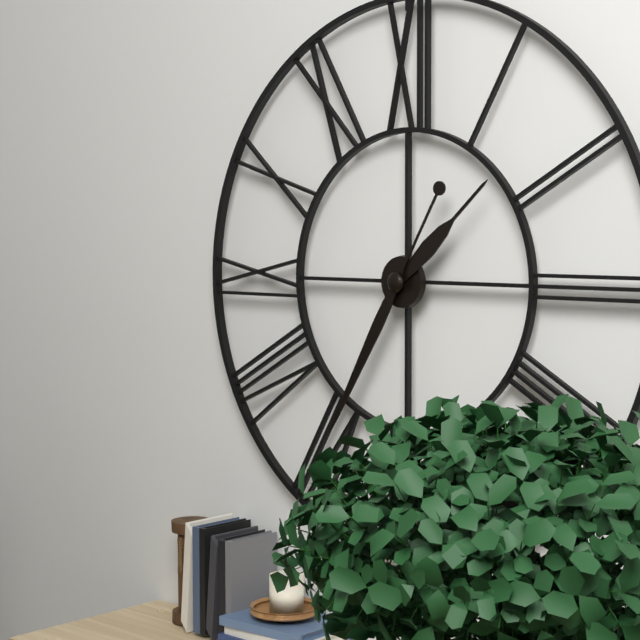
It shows h=1 m=35
